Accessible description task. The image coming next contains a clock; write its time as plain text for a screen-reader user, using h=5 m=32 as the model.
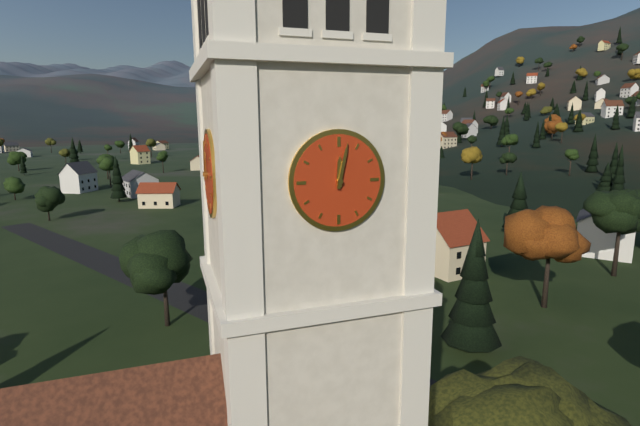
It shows h=12 m=2
